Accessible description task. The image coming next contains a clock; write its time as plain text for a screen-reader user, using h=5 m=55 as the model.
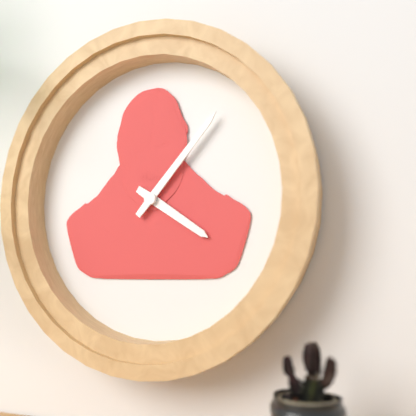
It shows h=4 m=7
